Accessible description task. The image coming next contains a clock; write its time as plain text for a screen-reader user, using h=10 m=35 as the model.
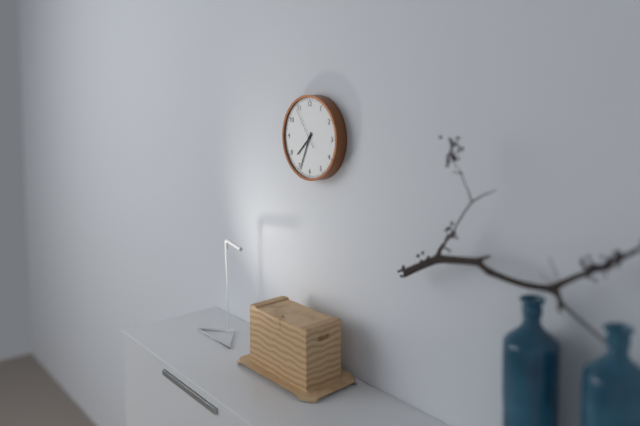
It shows h=7 m=34
